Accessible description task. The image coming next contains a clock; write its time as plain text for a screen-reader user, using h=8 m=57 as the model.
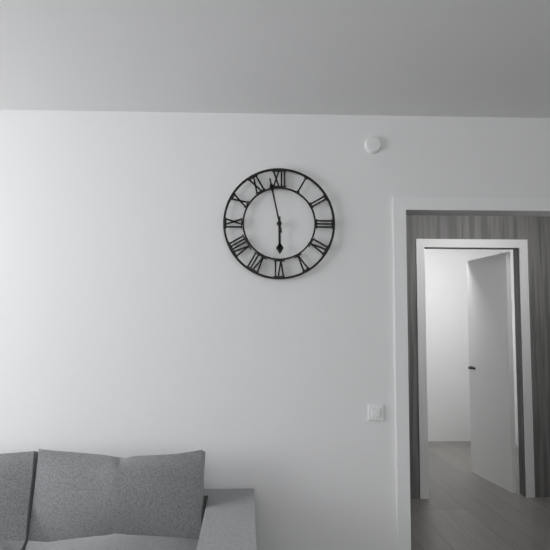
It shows h=5 m=58
